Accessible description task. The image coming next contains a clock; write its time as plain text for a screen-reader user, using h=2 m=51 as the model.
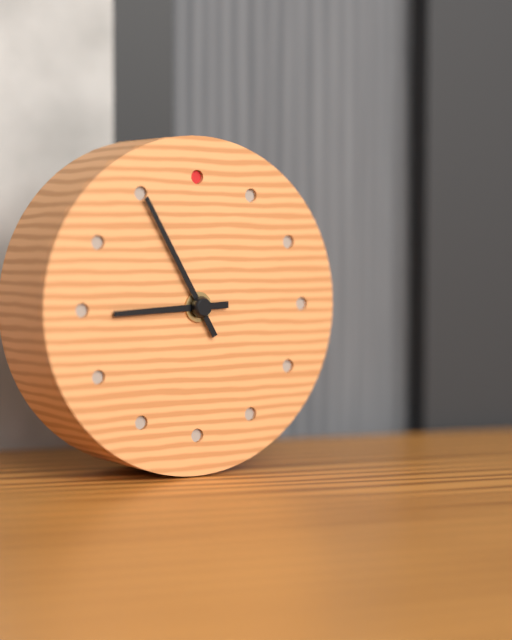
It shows h=8 m=55
